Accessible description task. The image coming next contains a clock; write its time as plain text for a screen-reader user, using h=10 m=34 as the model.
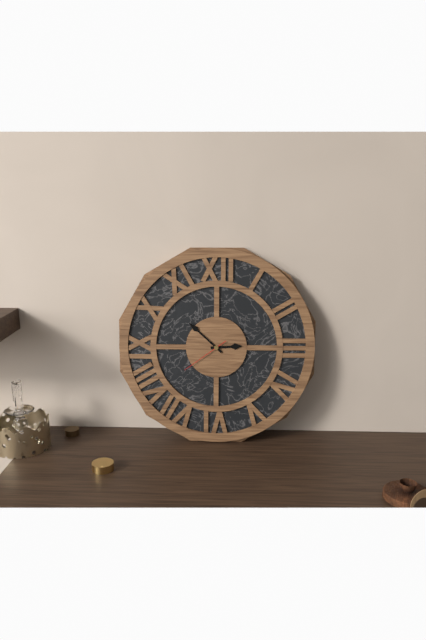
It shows h=2 m=52
